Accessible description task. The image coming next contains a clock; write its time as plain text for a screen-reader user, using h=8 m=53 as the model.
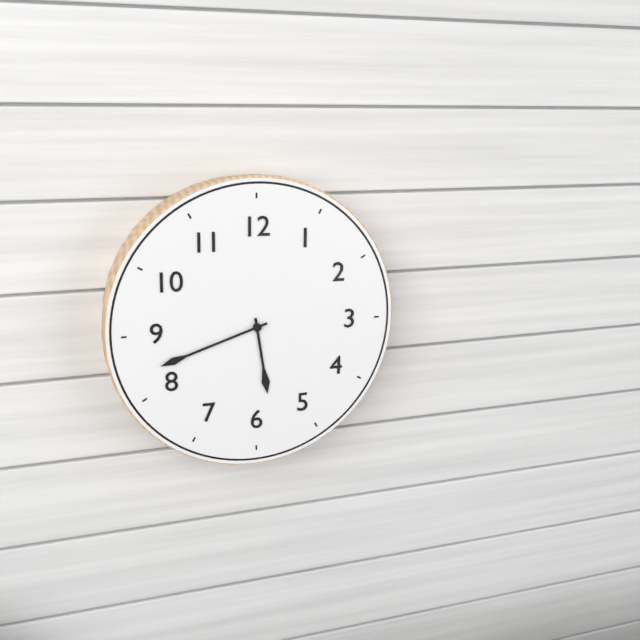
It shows h=5 m=42
